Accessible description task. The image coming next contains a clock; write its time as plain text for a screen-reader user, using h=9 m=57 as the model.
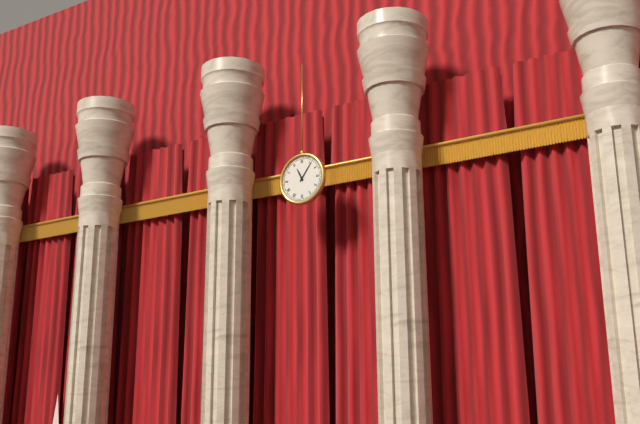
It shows h=11 m=6
